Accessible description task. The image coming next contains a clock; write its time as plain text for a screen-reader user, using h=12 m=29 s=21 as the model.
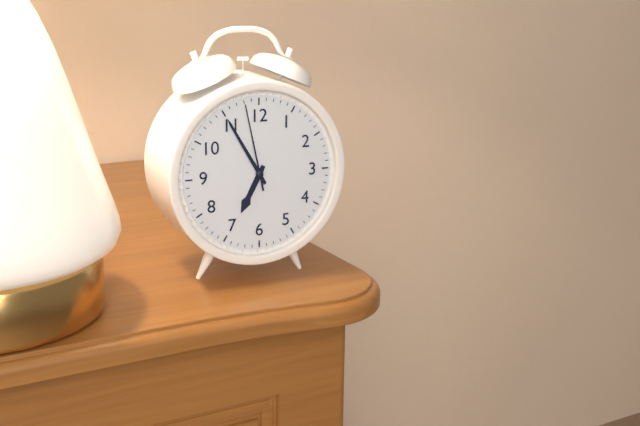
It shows h=6 m=55 s=58
